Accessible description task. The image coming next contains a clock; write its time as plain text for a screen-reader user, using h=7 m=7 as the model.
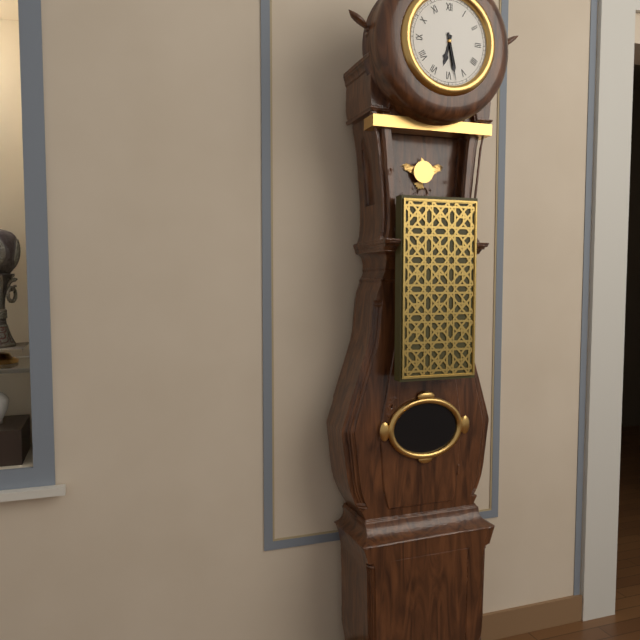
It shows h=6 m=28
